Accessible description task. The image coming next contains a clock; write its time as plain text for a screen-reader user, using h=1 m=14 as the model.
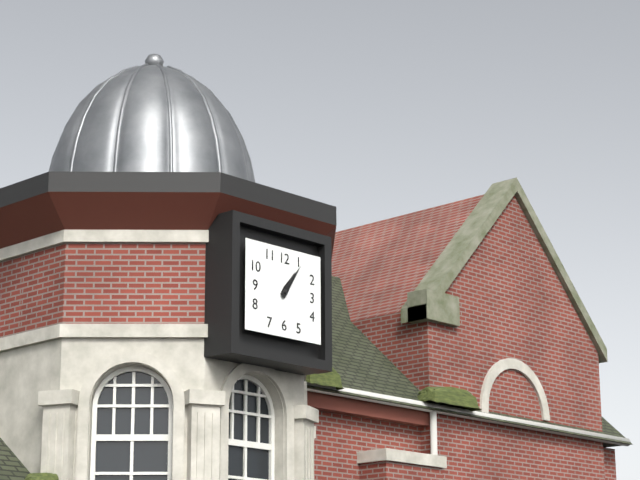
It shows h=1 m=6
